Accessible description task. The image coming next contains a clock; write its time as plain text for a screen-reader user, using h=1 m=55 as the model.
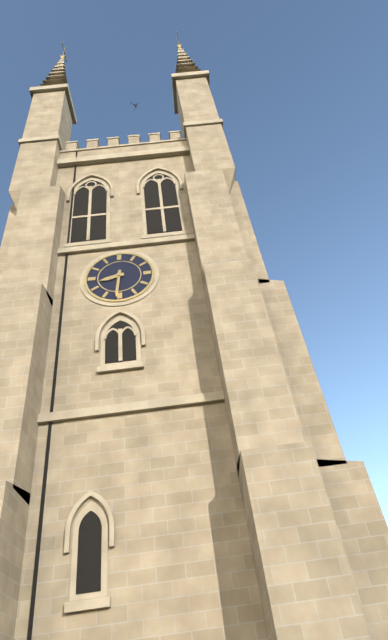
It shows h=8 m=31
